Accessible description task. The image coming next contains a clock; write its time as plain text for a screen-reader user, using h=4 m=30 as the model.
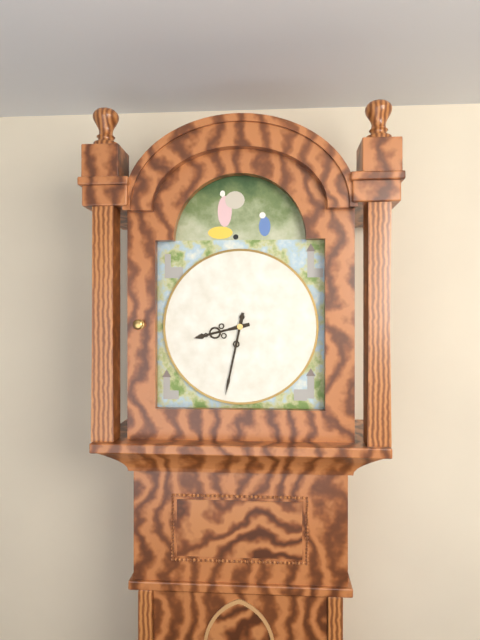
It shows h=8 m=32
